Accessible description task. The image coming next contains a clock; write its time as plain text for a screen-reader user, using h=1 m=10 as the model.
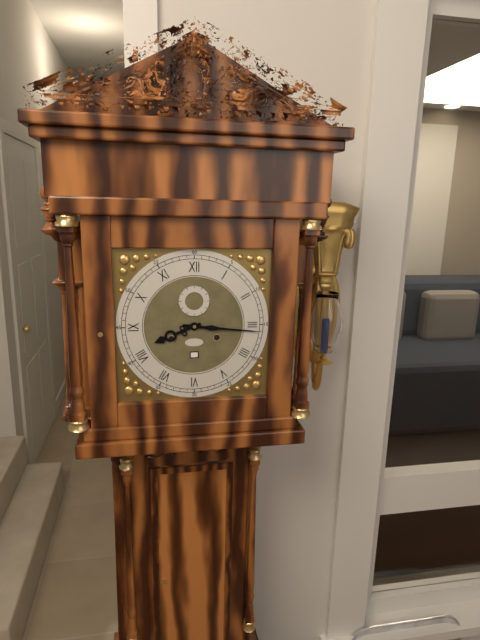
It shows h=8 m=16
